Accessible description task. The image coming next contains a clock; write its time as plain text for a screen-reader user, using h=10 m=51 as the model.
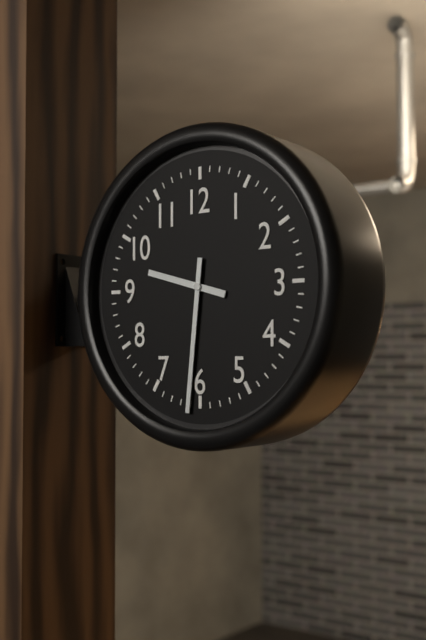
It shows h=9 m=31
